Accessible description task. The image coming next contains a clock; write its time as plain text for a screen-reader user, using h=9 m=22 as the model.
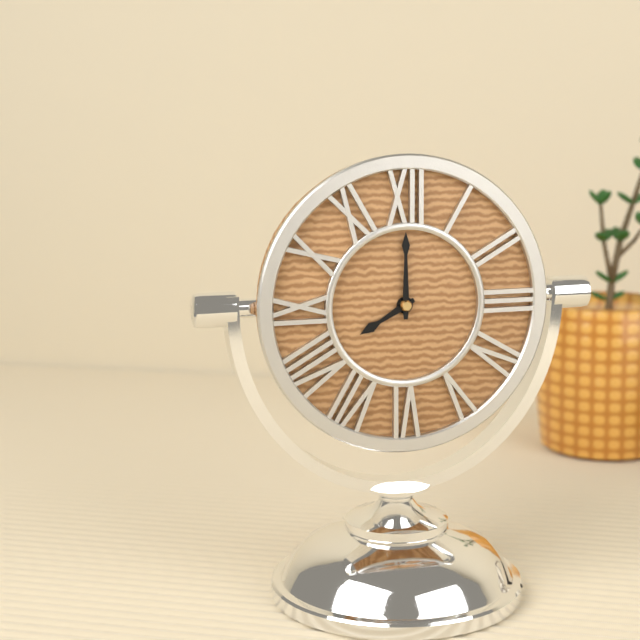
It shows h=8 m=0
